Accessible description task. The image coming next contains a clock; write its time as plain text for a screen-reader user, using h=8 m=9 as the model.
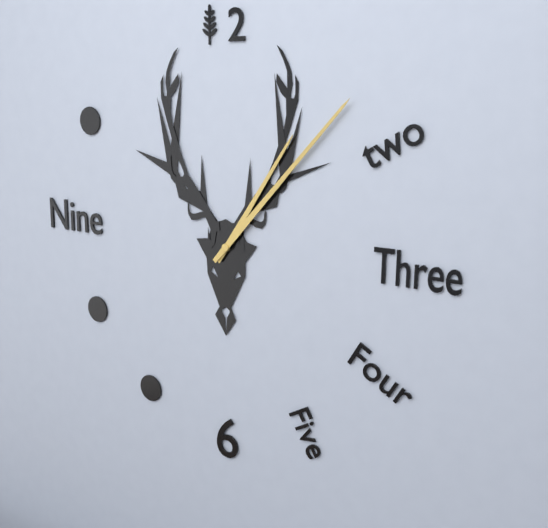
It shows h=1 m=7
